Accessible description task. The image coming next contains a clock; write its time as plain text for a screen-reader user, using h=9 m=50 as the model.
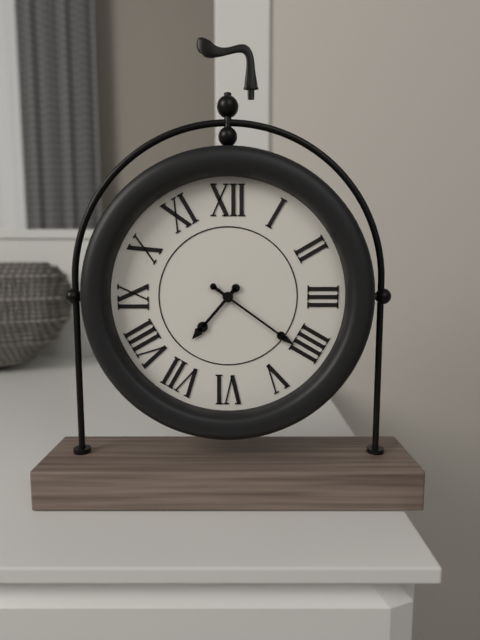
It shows h=7 m=21
